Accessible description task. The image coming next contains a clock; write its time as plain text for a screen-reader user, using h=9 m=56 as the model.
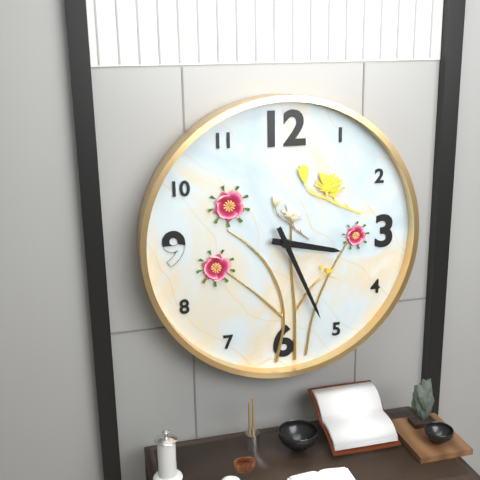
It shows h=3 m=26
